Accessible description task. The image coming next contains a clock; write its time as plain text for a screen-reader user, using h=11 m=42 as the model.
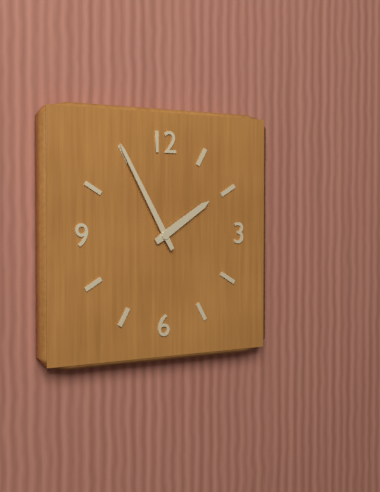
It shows h=1 m=55
